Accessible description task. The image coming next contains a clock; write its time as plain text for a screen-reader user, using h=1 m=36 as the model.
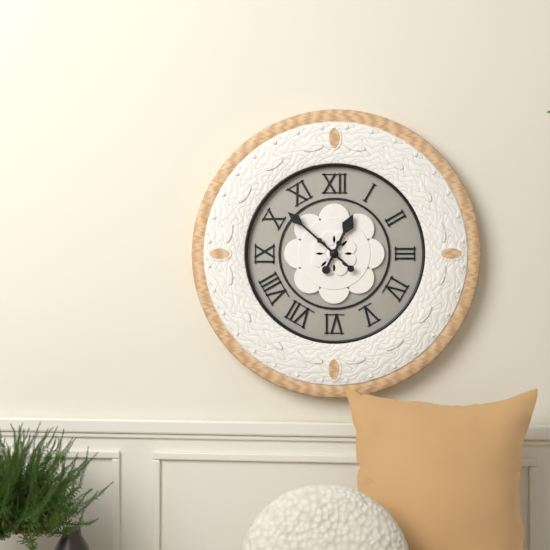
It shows h=12 m=52
